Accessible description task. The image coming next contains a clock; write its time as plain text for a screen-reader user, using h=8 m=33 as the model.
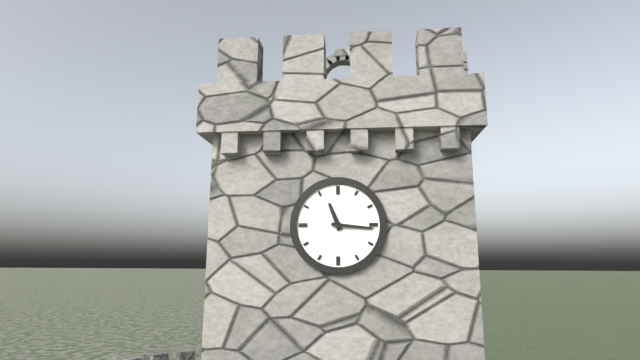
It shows h=11 m=16
